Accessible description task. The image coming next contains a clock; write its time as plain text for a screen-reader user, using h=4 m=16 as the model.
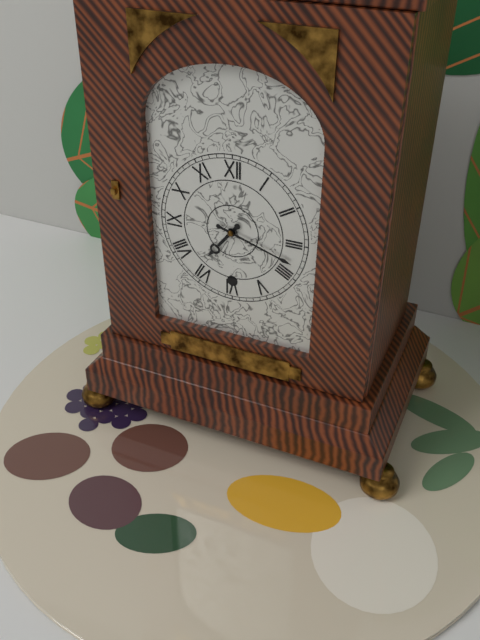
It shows h=7 m=18
